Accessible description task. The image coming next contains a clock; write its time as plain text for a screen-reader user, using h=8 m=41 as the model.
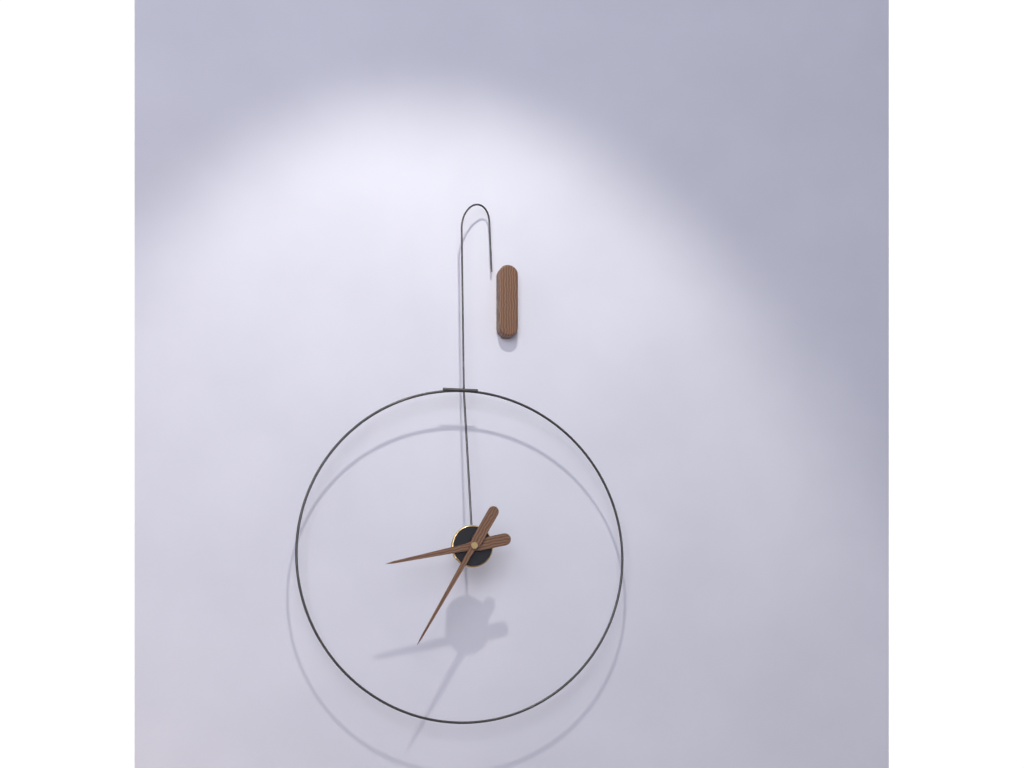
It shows h=8 m=35
